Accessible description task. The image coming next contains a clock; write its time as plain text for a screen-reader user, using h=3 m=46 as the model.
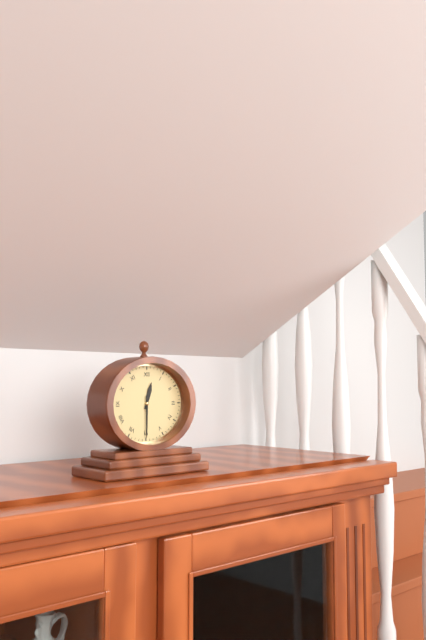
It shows h=12 m=30
